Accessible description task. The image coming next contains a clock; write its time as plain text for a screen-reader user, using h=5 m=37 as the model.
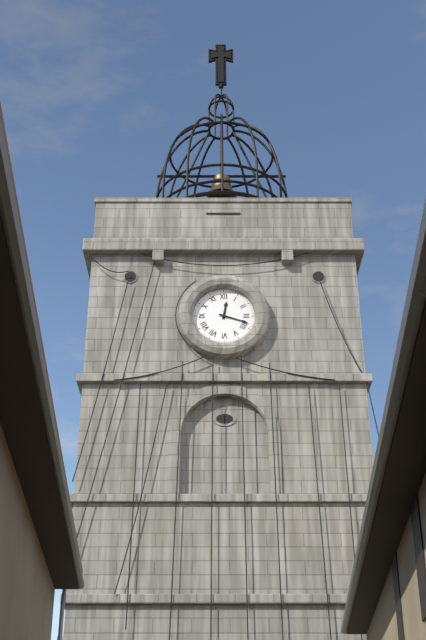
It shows h=12 m=18
